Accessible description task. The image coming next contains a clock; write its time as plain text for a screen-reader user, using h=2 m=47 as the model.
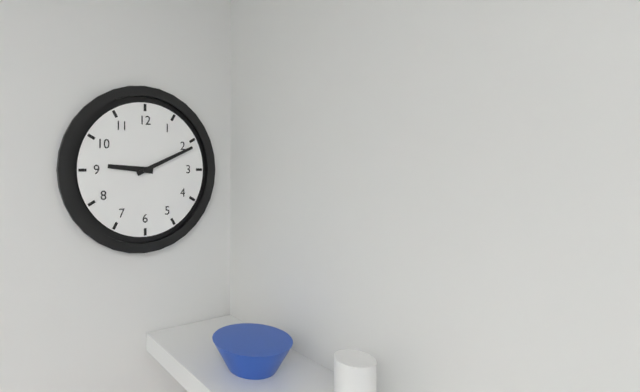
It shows h=9 m=11
